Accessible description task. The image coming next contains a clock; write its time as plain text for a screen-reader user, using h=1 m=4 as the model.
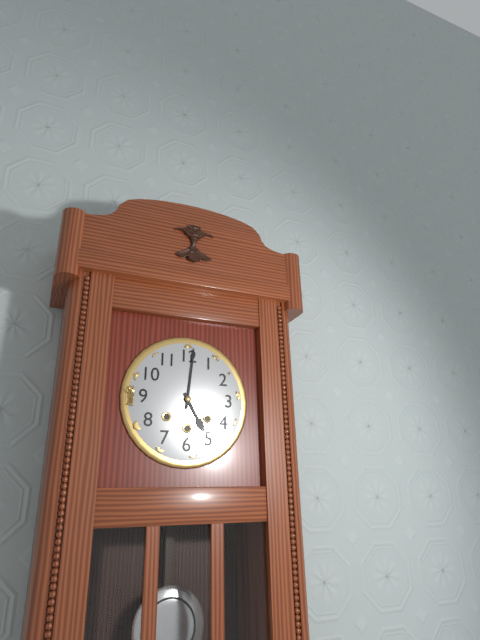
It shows h=5 m=1
